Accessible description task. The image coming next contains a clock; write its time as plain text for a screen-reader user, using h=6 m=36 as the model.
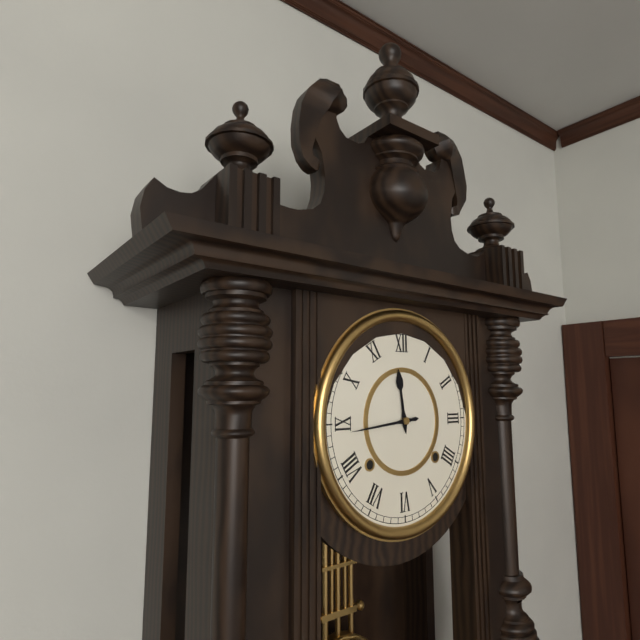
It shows h=11 m=44
